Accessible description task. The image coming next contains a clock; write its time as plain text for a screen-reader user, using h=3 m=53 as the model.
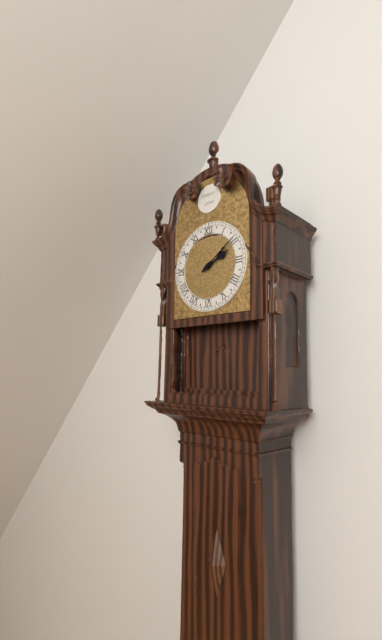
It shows h=2 m=9
